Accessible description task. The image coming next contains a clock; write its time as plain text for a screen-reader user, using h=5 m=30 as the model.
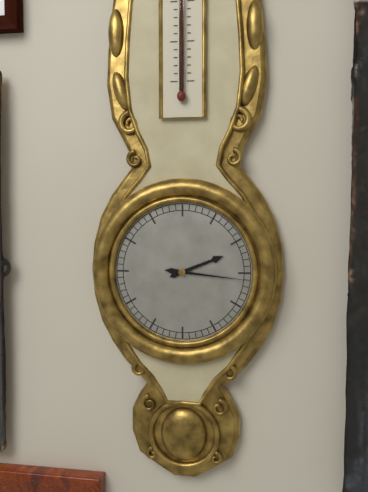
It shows h=2 m=16
